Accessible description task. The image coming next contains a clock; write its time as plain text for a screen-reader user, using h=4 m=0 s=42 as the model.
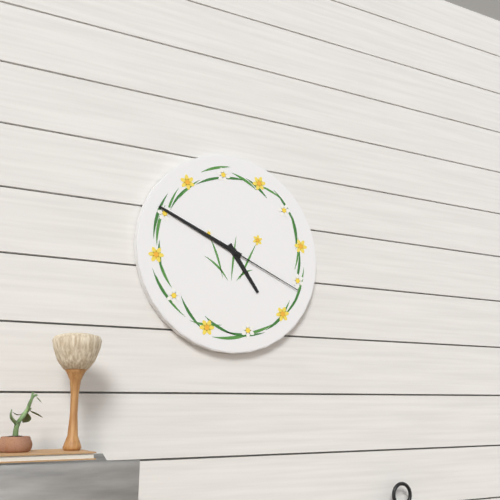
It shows h=4 m=49 s=19
